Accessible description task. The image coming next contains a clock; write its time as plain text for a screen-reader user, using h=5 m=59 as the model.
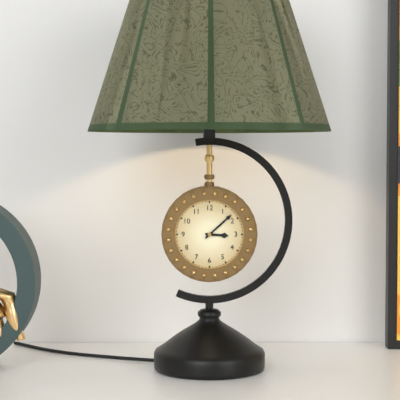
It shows h=3 m=8
